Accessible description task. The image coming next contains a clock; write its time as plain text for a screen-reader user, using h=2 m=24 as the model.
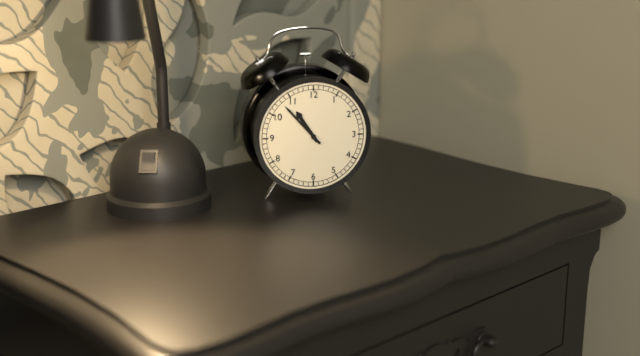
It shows h=10 m=53
